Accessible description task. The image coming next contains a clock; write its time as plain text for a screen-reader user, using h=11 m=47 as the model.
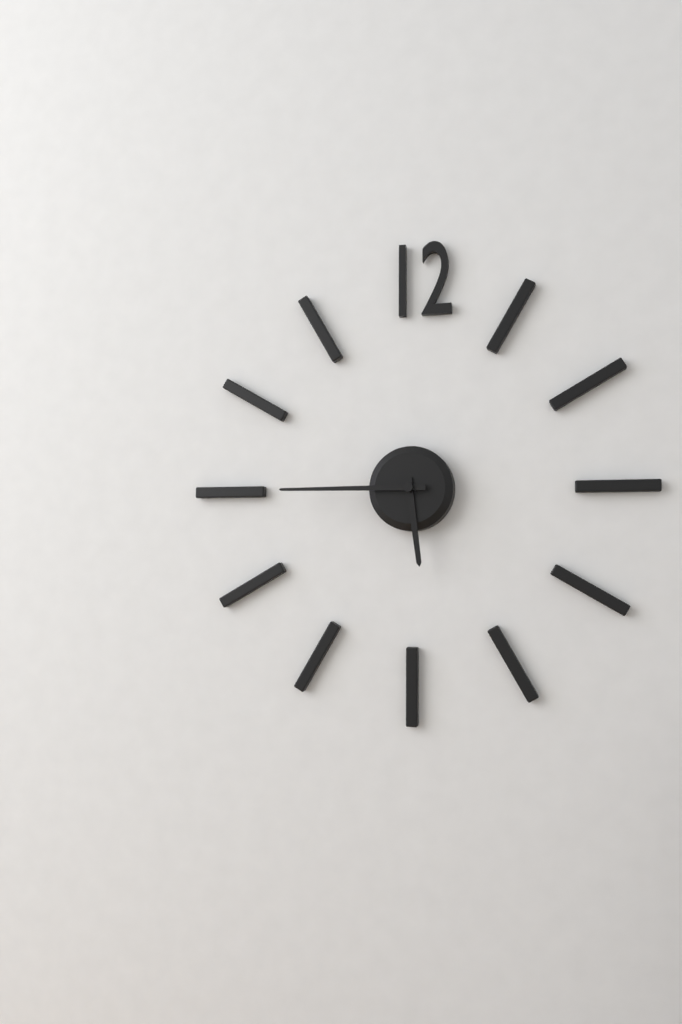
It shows h=5 m=45
